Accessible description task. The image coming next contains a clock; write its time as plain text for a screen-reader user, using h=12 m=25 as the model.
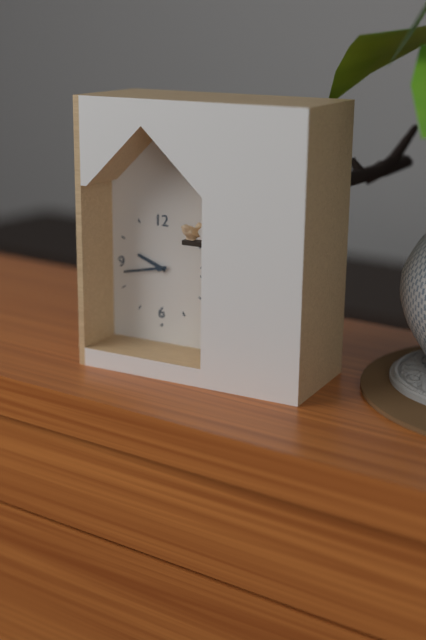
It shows h=9 m=43
